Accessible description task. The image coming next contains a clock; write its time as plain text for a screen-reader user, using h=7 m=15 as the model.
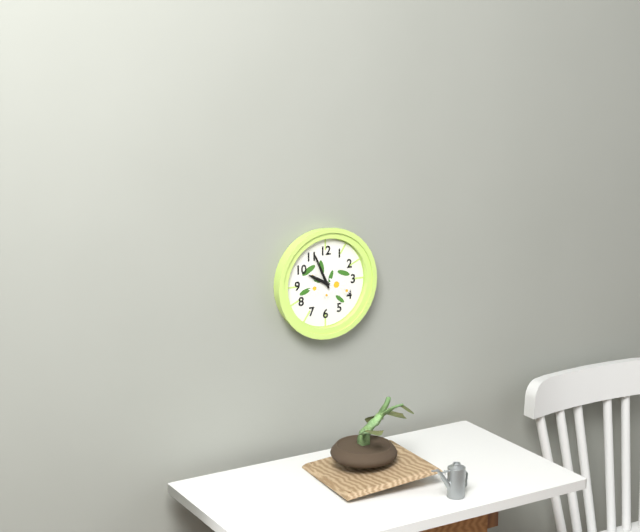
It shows h=9 m=56
